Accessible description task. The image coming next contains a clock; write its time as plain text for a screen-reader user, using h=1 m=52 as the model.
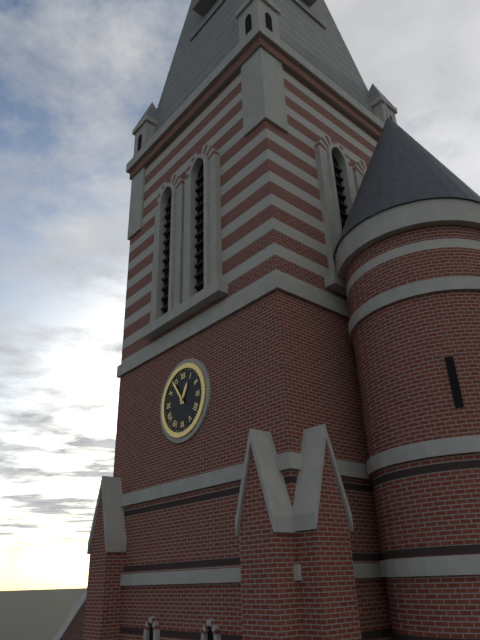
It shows h=12 m=54
